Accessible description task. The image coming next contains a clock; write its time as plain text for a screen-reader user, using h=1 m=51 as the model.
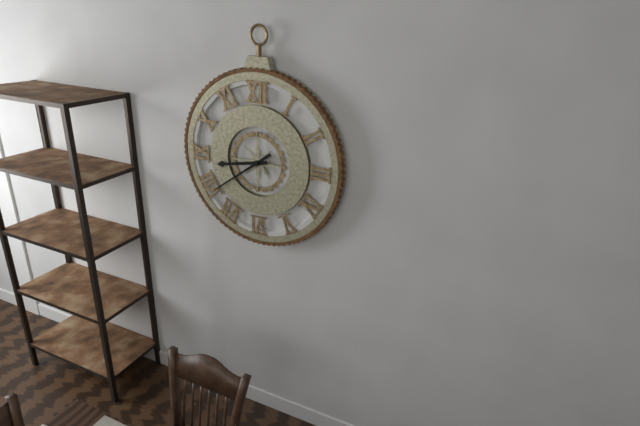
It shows h=8 m=39
